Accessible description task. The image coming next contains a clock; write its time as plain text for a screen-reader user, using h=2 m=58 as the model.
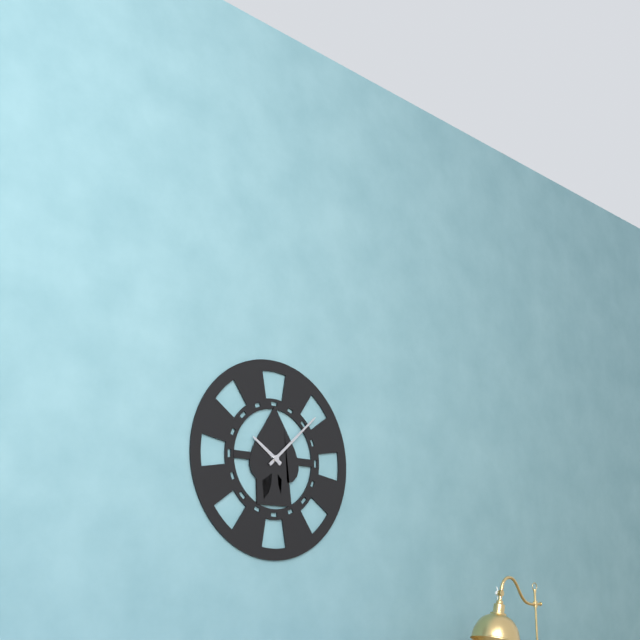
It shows h=10 m=8
